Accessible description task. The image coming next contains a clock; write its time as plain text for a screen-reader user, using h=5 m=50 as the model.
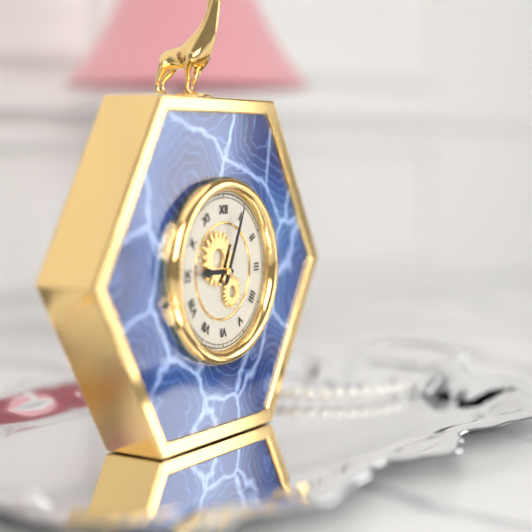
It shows h=9 m=4
